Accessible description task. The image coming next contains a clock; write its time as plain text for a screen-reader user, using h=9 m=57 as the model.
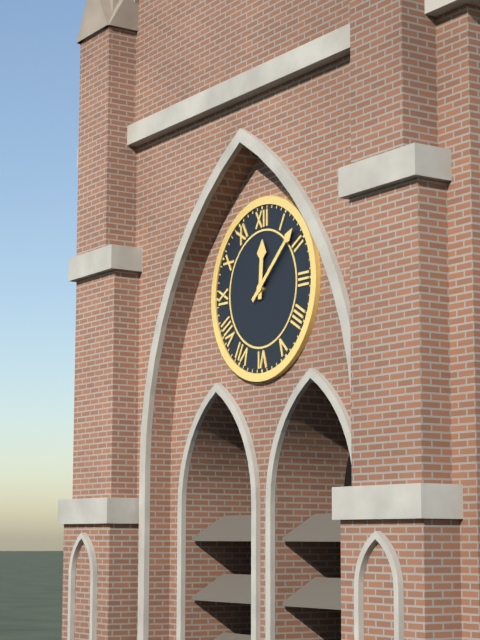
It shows h=12 m=8
